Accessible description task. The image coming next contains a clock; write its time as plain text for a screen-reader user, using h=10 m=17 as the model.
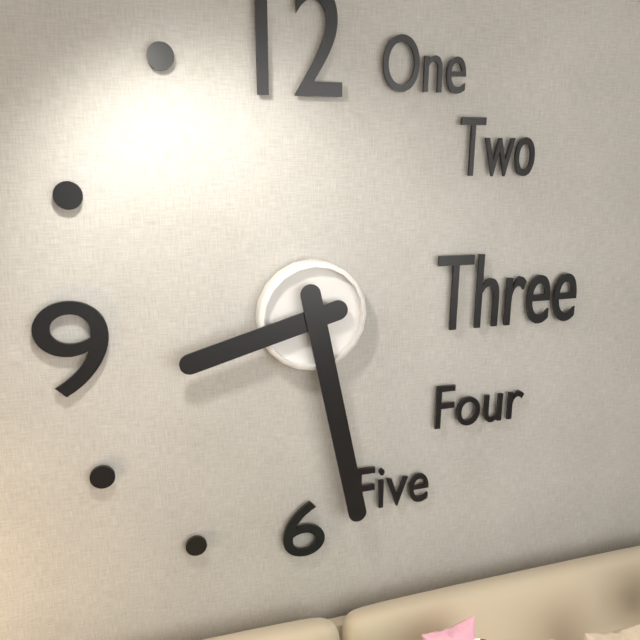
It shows h=8 m=28
